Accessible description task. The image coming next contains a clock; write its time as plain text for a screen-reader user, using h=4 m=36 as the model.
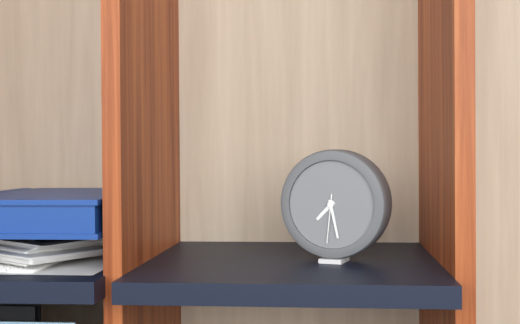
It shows h=7 m=28
